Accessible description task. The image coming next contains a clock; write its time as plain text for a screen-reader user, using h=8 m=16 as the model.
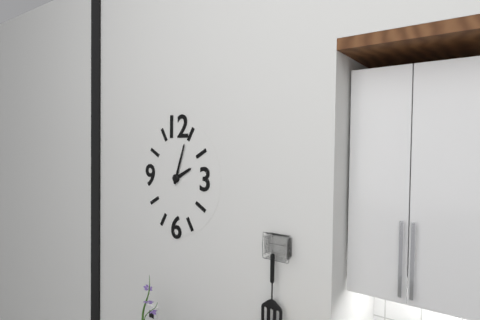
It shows h=2 m=3
